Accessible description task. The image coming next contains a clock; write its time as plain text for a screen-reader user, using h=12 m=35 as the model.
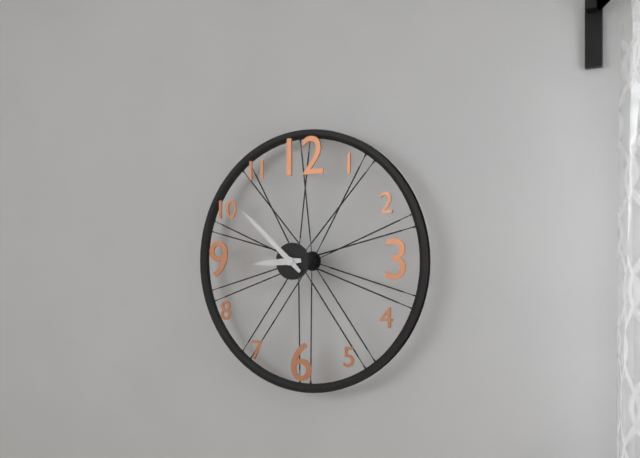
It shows h=8 m=52
